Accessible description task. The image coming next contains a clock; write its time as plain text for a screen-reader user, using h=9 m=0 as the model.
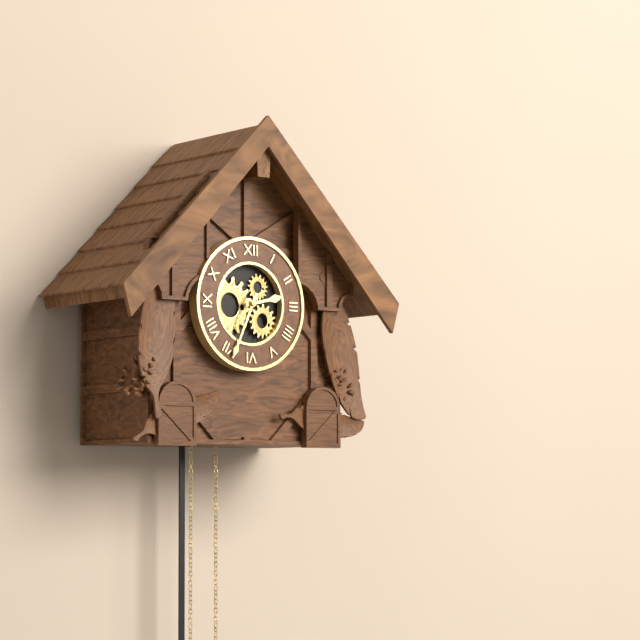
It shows h=2 m=34
